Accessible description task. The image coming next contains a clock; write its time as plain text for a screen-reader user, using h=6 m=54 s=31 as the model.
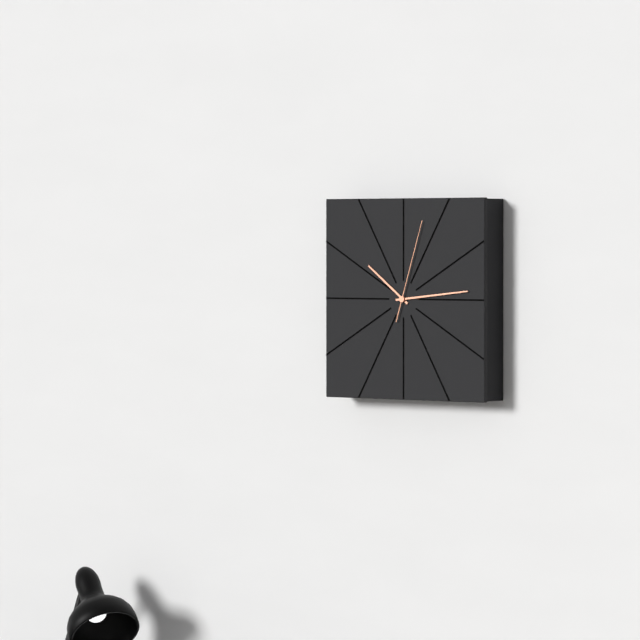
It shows h=10 m=14 s=3
